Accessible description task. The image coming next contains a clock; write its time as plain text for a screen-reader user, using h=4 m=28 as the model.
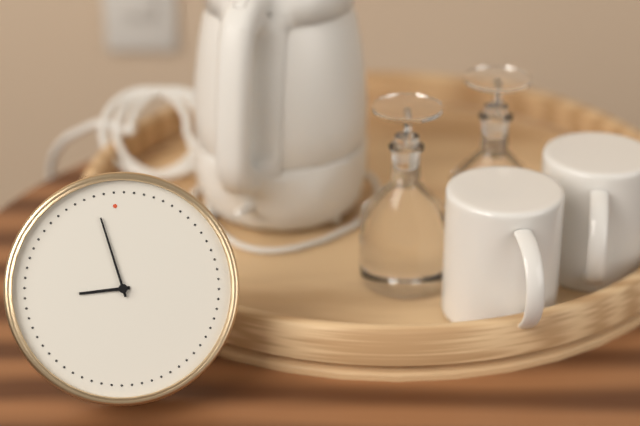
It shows h=8 m=58
